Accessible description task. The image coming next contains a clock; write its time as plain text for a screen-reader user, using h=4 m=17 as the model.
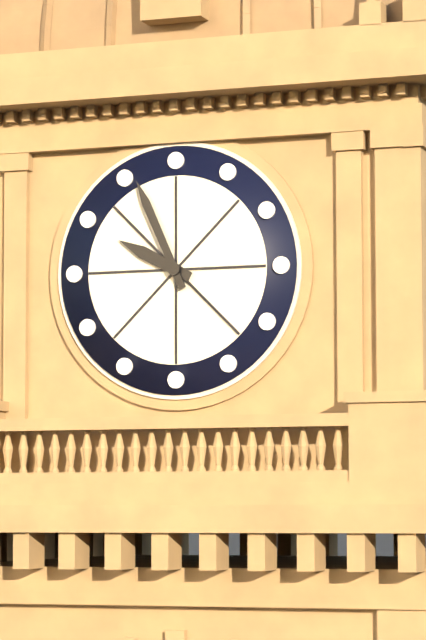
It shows h=9 m=56
